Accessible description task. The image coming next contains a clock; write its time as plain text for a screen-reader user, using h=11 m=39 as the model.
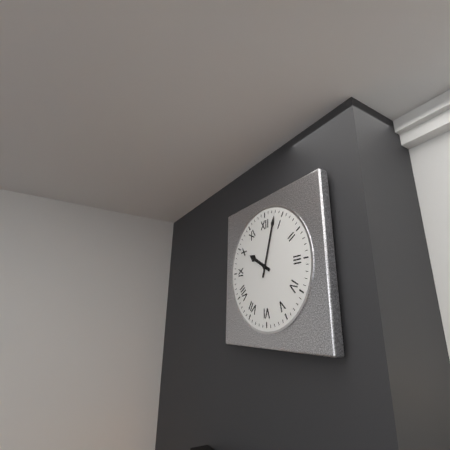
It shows h=10 m=3
